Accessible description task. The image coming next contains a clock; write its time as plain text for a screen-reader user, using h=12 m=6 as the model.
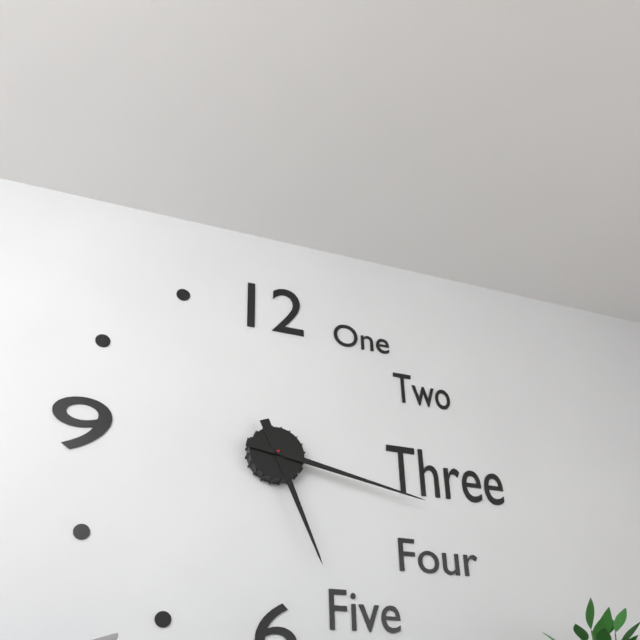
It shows h=5 m=17
